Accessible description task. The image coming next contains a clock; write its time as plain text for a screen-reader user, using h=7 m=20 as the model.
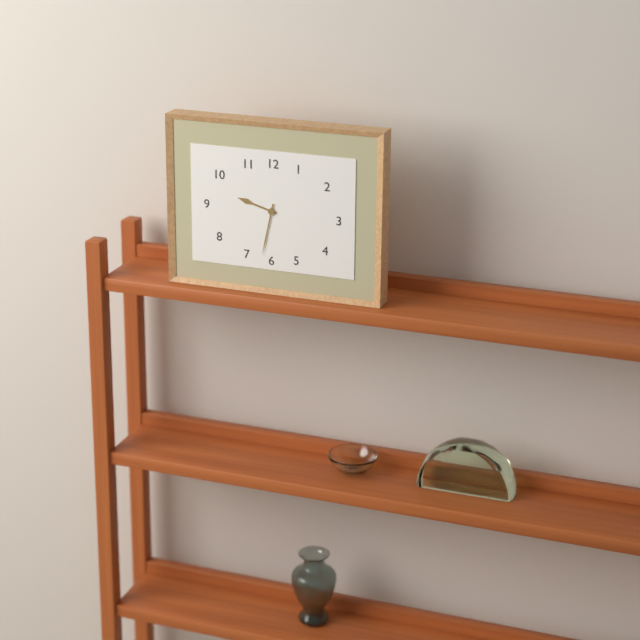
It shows h=9 m=32
